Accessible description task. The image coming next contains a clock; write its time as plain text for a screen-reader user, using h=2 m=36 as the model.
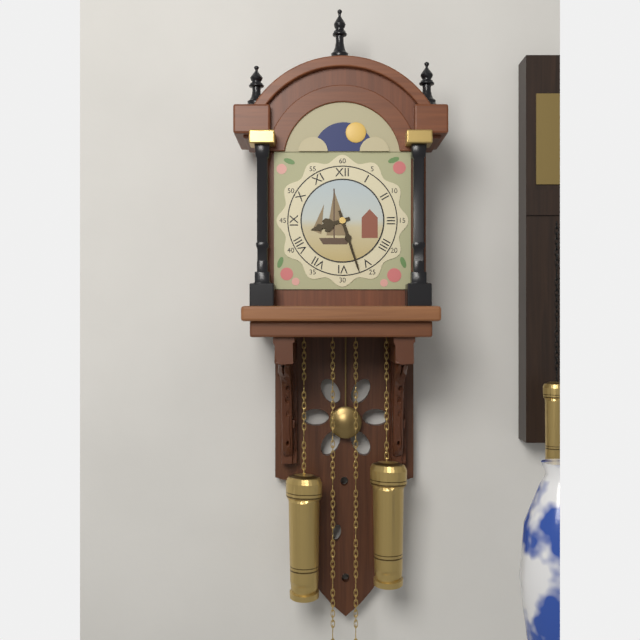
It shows h=8 m=27
